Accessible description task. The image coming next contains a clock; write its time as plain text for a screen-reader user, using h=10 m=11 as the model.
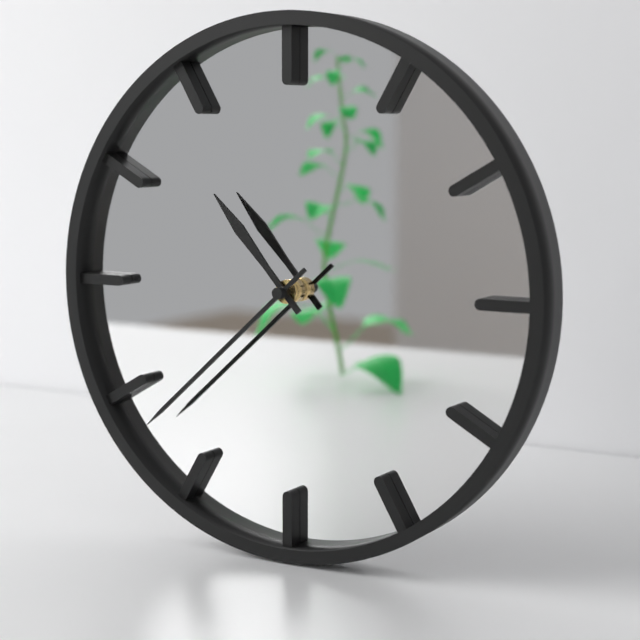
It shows h=10 m=38
